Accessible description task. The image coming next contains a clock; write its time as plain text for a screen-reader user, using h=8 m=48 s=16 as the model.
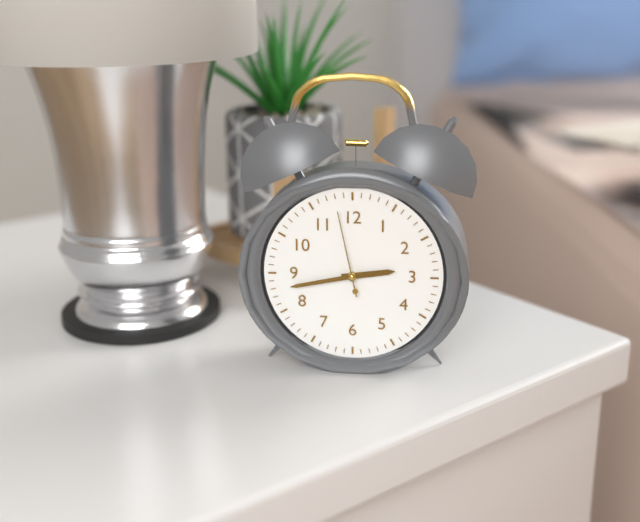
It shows h=2 m=43 s=58
